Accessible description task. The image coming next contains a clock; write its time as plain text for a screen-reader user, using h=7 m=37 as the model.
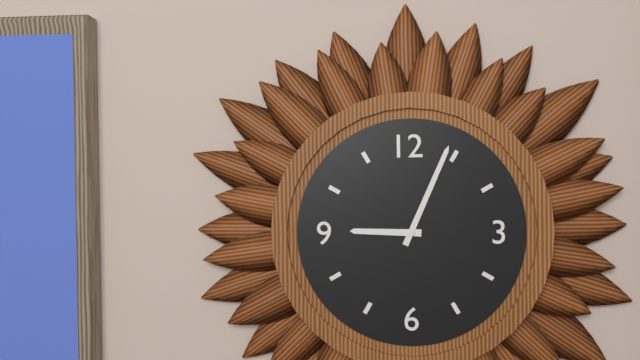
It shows h=9 m=4
